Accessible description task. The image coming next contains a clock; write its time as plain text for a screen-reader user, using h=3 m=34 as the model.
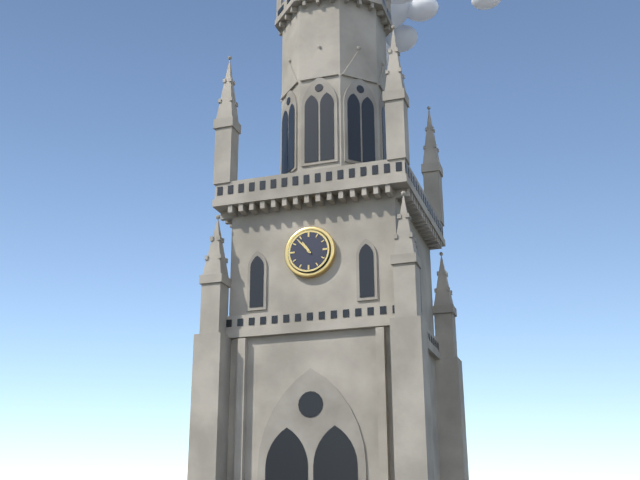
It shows h=10 m=53
